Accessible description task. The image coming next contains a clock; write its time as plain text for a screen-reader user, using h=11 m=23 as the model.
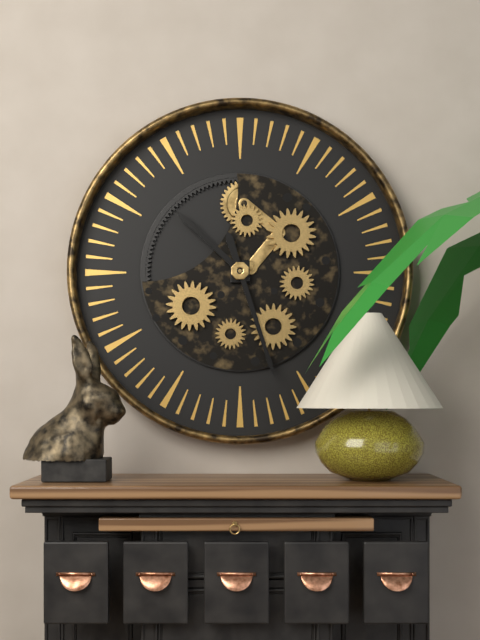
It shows h=10 m=27
